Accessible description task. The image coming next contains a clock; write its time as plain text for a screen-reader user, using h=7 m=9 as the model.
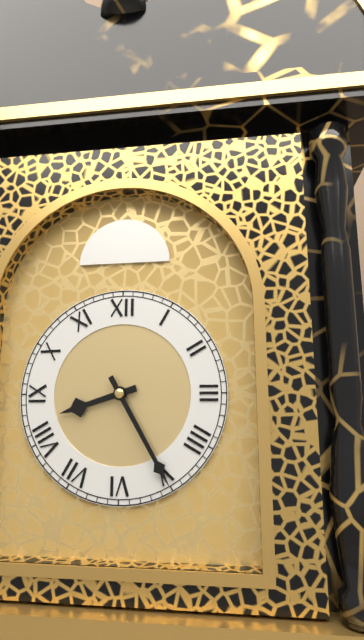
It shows h=8 m=25
